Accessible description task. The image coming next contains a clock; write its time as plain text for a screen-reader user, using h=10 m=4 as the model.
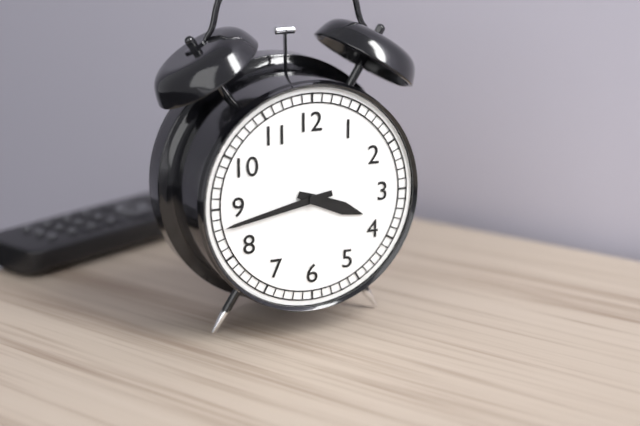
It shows h=3 m=43
